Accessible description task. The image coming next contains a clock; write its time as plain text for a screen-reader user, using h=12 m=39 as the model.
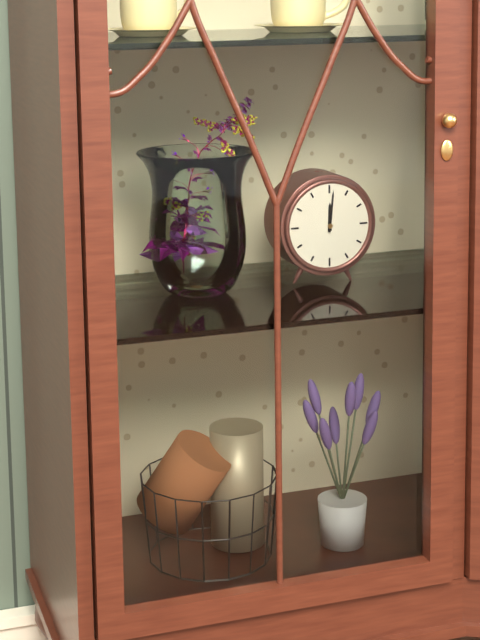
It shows h=12 m=1
